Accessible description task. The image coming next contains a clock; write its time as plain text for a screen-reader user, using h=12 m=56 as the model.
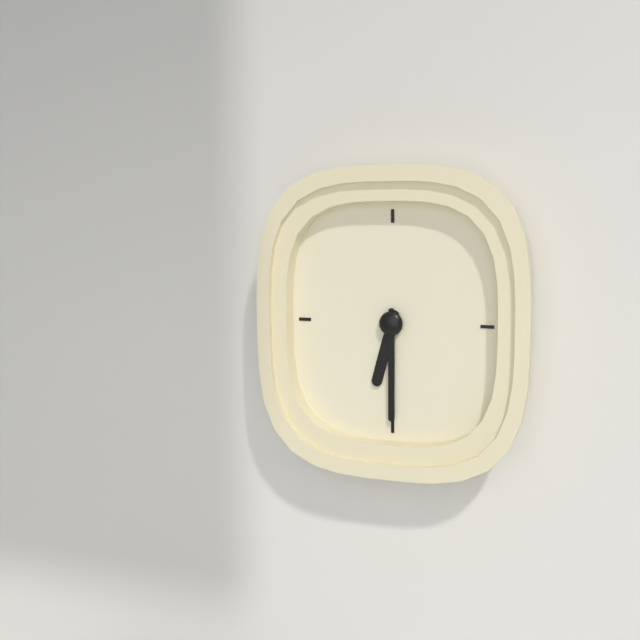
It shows h=6 m=30
